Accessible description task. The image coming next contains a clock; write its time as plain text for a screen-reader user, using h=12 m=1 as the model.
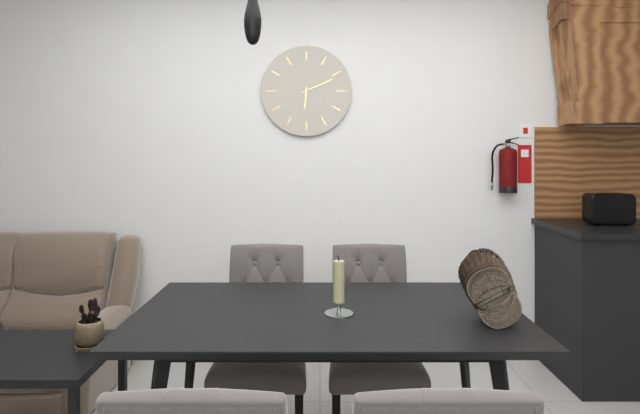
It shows h=6 m=11
